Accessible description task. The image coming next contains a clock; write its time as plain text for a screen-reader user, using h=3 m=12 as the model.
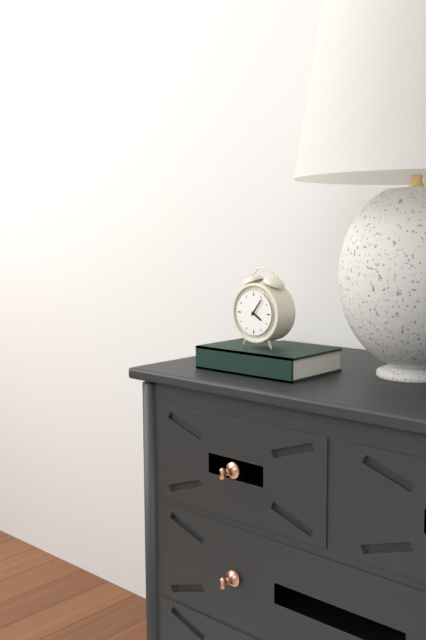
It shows h=4 m=6
